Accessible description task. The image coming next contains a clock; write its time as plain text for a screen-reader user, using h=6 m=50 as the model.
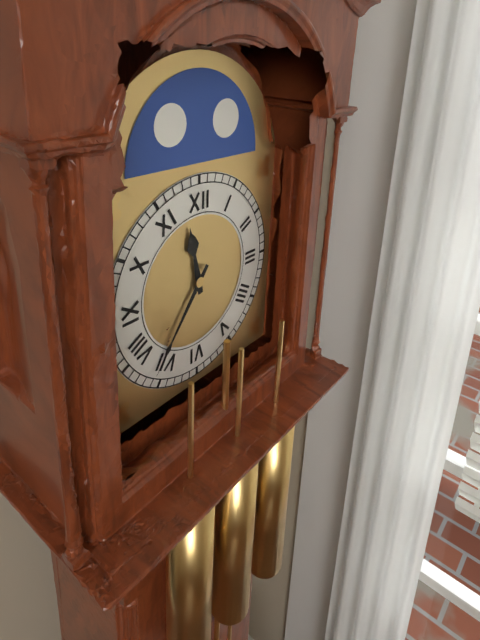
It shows h=11 m=36
